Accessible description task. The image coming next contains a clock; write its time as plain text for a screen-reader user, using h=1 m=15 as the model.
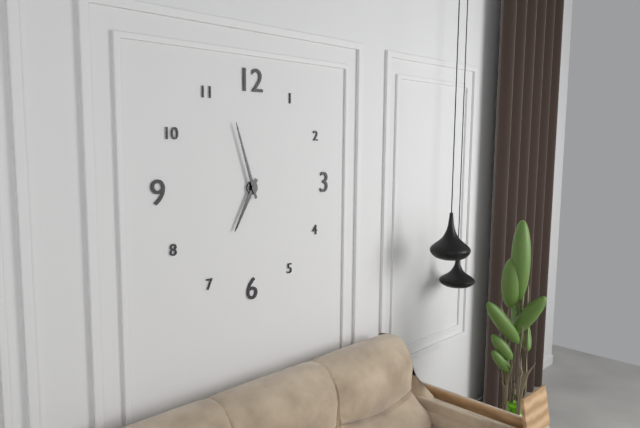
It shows h=6 m=57
